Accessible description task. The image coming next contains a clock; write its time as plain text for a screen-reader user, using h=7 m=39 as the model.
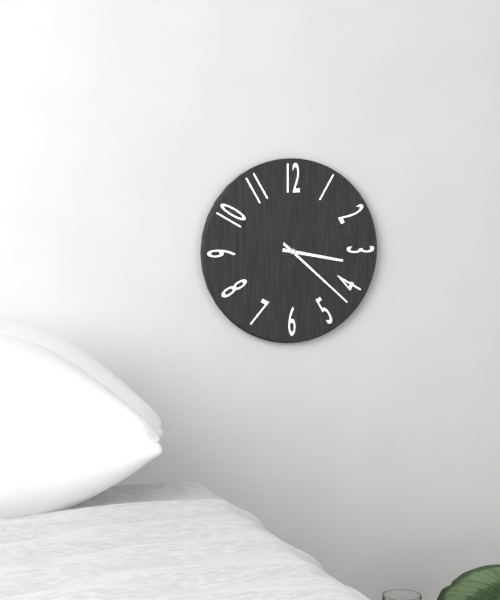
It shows h=3 m=22
